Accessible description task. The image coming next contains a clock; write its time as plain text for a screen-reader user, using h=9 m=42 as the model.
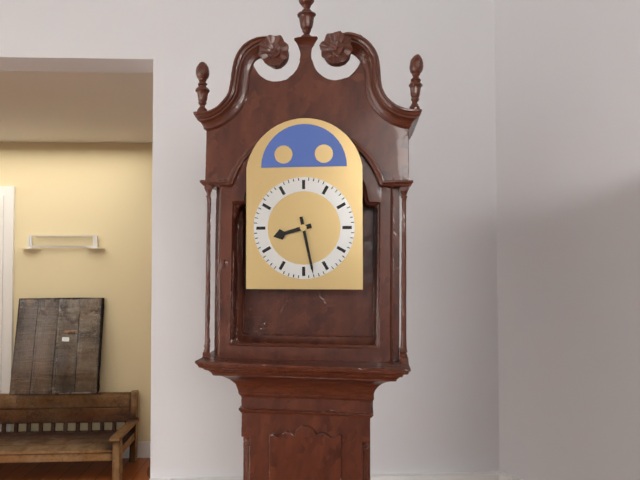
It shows h=8 m=28
